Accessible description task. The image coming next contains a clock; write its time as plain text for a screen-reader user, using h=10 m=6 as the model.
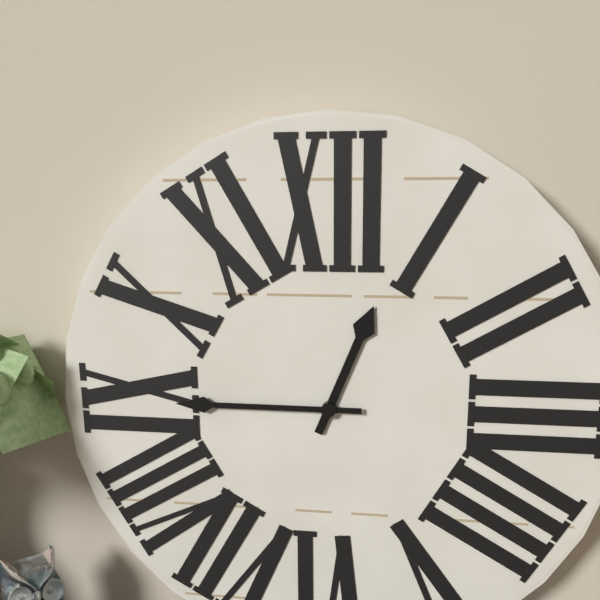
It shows h=12 m=45
